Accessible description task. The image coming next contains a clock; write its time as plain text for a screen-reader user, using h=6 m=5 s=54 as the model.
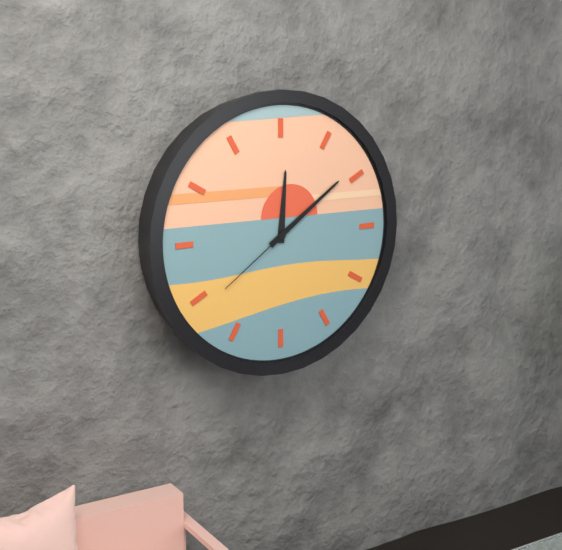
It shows h=12 m=9 s=39
